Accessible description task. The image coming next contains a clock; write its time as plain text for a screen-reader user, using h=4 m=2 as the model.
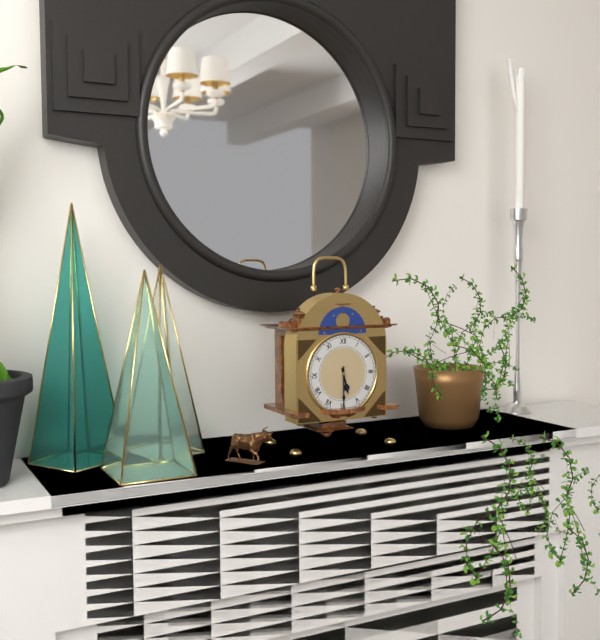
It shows h=5 m=30
